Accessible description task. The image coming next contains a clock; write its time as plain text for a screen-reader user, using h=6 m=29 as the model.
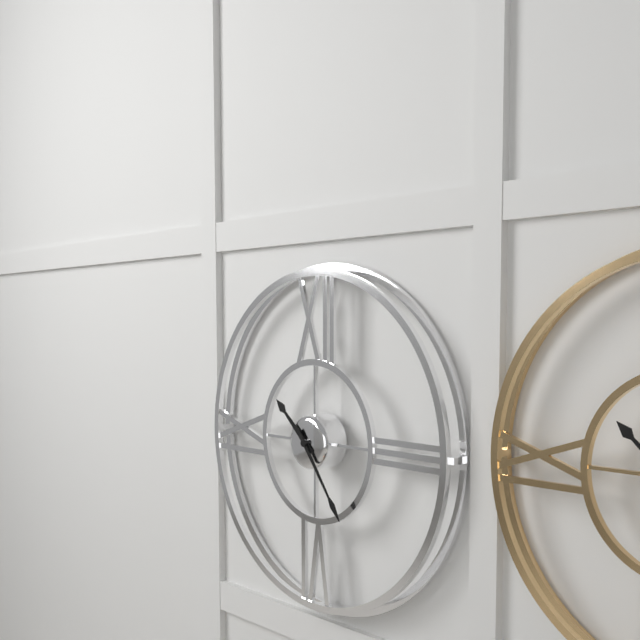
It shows h=10 m=24
